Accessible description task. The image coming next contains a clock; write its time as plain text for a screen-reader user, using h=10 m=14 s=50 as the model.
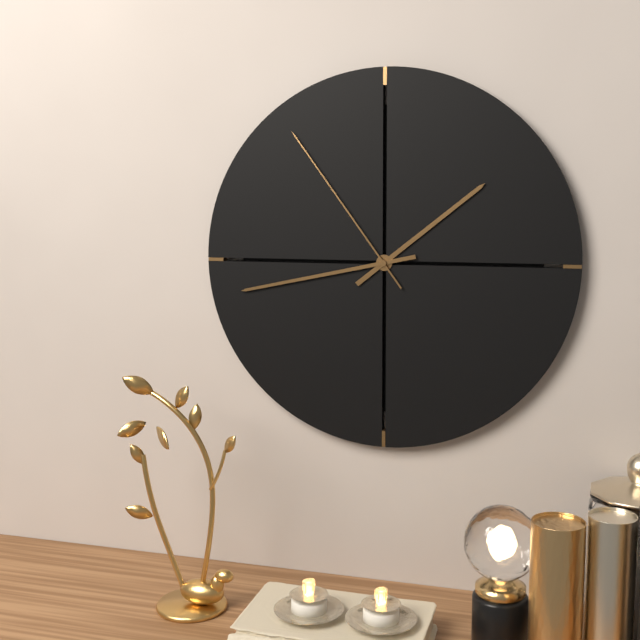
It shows h=1 m=43 s=54
